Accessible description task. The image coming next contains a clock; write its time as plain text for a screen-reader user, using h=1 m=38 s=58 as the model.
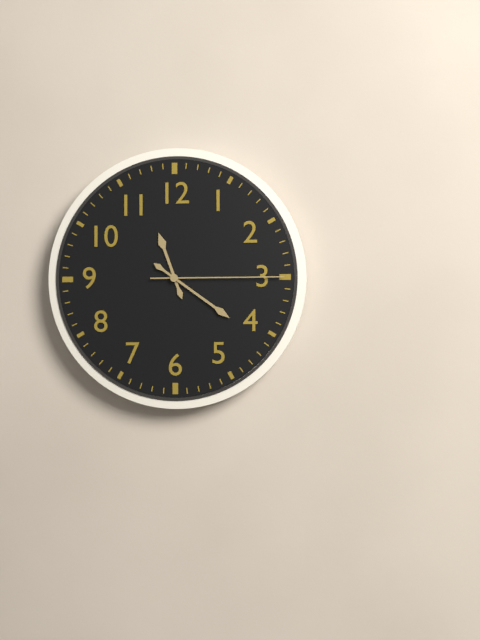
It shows h=11 m=21 s=15
